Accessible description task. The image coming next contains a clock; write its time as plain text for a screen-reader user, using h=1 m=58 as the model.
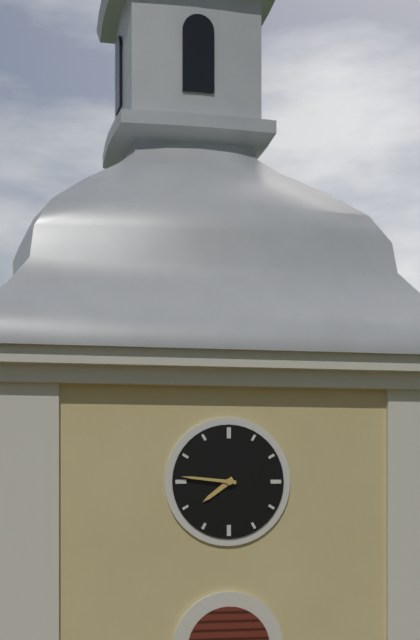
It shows h=7 m=46
